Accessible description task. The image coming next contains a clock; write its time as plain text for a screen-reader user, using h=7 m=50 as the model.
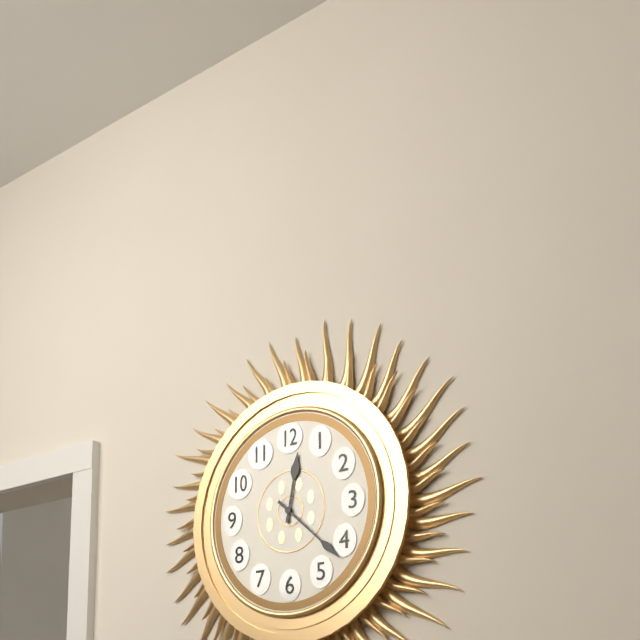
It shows h=12 m=22
